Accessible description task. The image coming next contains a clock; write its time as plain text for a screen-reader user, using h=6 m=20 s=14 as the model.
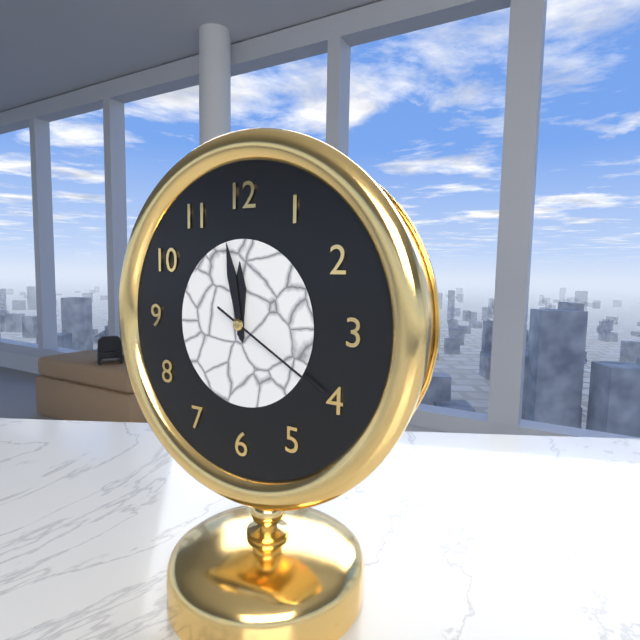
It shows h=11 m=58 s=20
